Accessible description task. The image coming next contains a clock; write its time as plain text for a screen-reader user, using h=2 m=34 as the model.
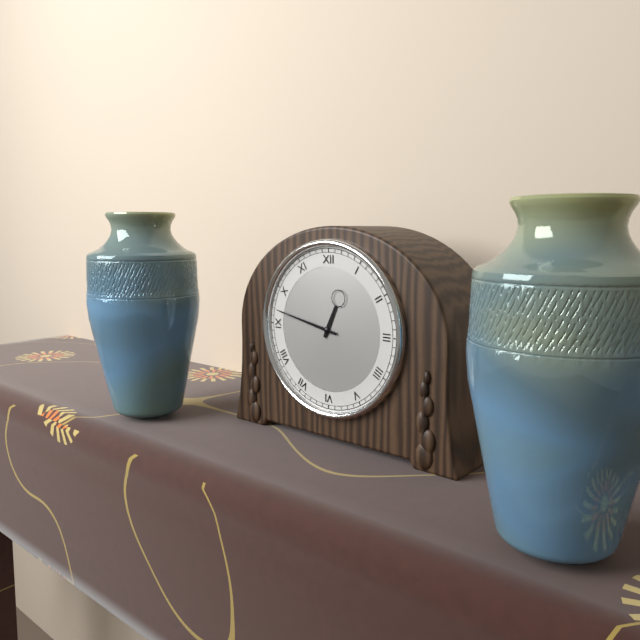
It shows h=12 m=47
